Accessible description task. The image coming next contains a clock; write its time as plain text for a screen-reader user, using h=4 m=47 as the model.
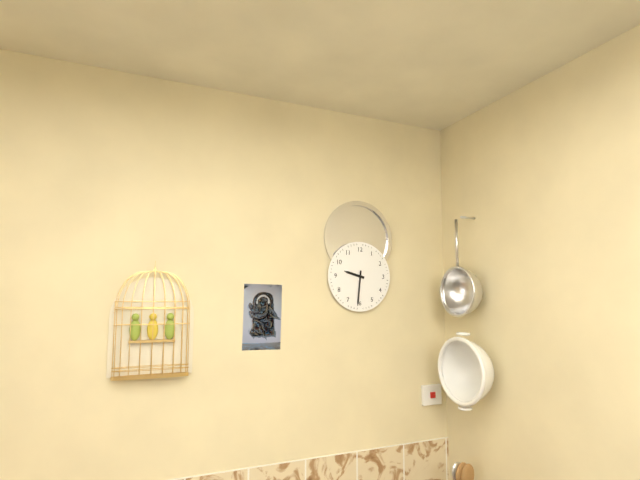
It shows h=9 m=31
